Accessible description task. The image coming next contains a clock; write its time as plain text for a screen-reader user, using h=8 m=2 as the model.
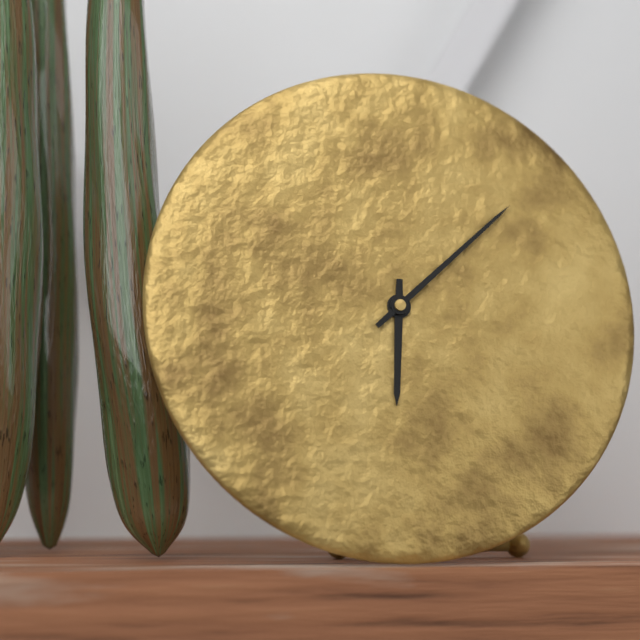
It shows h=6 m=8
